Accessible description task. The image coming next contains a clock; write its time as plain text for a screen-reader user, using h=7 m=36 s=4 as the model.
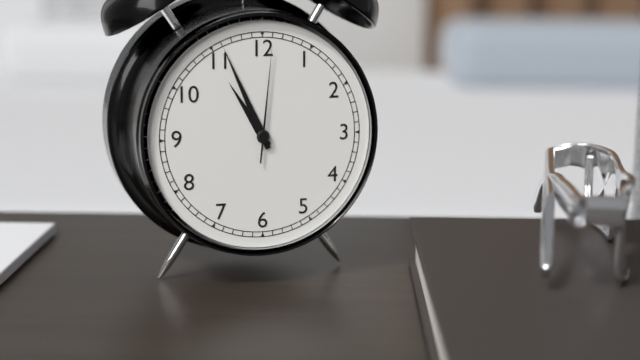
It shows h=10 m=56 s=1
